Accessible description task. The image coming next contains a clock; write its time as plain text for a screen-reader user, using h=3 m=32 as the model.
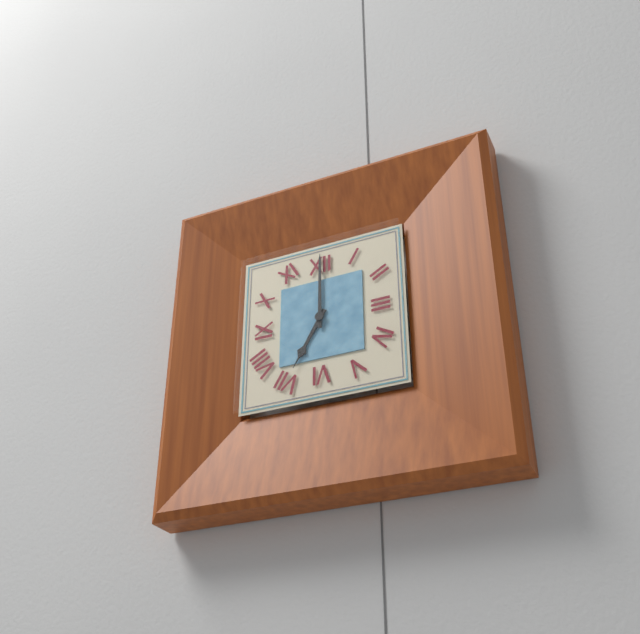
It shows h=7 m=0
